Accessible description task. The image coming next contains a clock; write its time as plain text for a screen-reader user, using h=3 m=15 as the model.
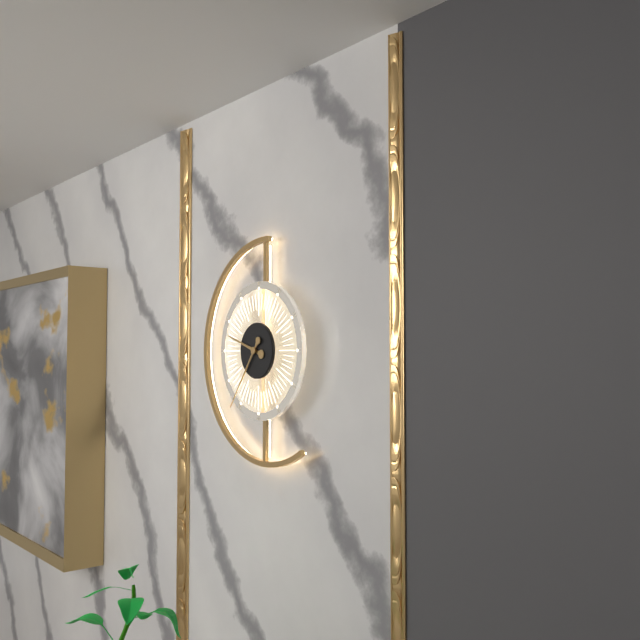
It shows h=9 m=36
